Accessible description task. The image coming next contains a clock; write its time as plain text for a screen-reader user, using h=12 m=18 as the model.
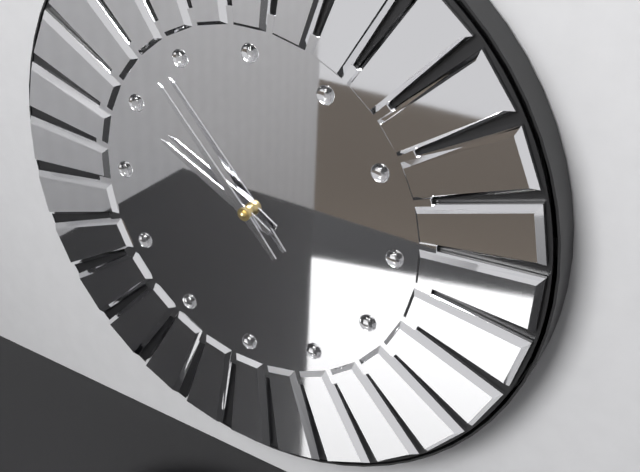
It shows h=9 m=53
